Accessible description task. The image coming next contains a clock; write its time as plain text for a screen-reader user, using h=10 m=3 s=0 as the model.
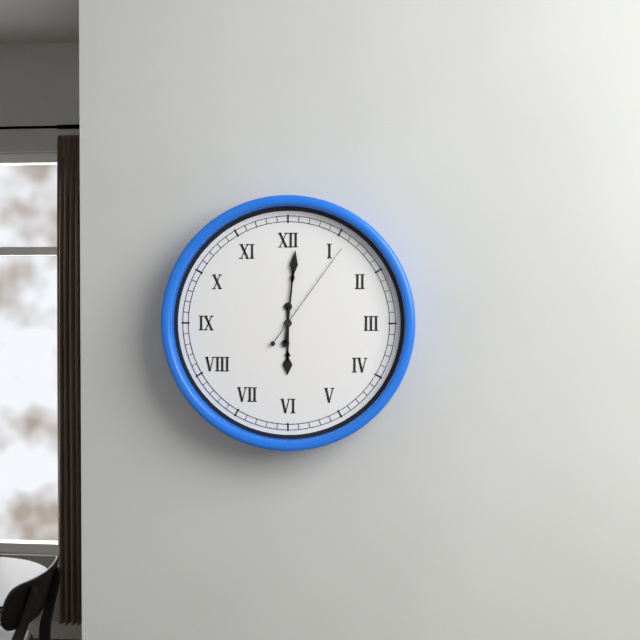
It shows h=6 m=1 s=6
